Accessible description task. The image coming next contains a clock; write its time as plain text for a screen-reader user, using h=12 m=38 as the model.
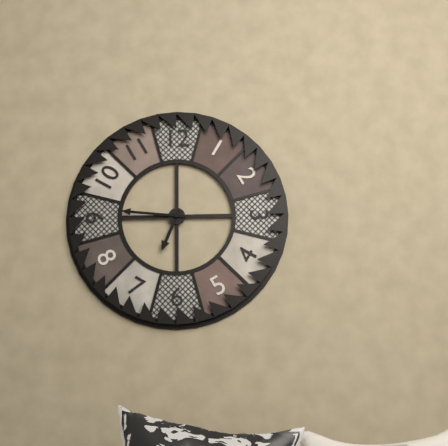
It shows h=6 m=46
